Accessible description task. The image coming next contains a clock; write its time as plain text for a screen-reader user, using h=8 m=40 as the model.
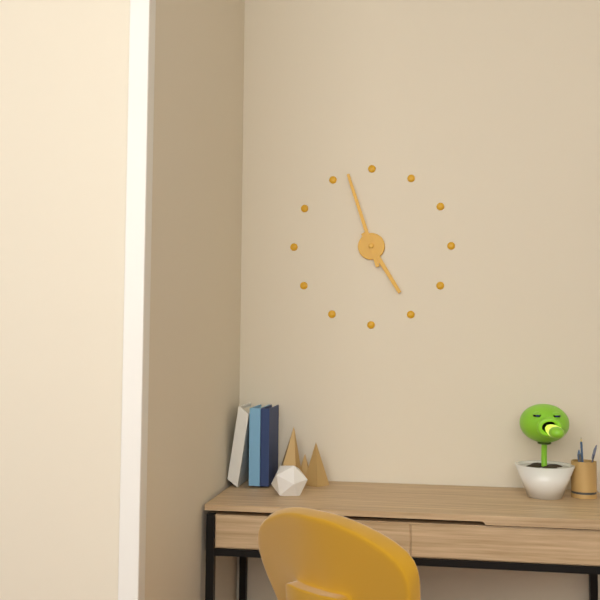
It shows h=4 m=57
